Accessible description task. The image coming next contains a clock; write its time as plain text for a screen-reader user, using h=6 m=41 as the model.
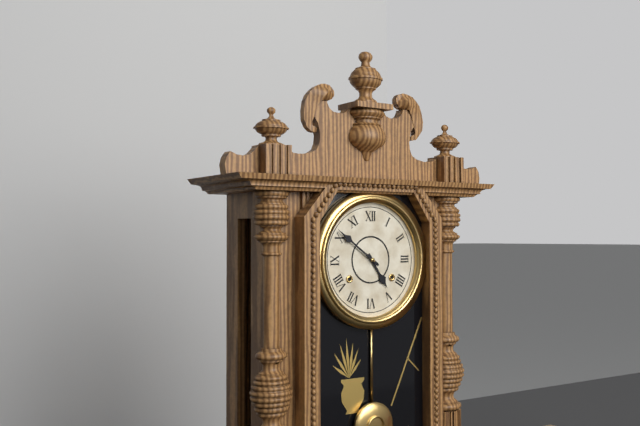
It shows h=4 m=51
